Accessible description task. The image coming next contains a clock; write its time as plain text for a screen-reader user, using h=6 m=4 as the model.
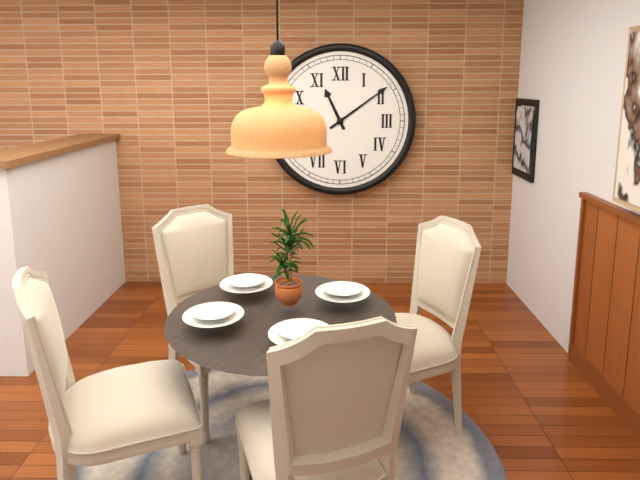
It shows h=11 m=9
